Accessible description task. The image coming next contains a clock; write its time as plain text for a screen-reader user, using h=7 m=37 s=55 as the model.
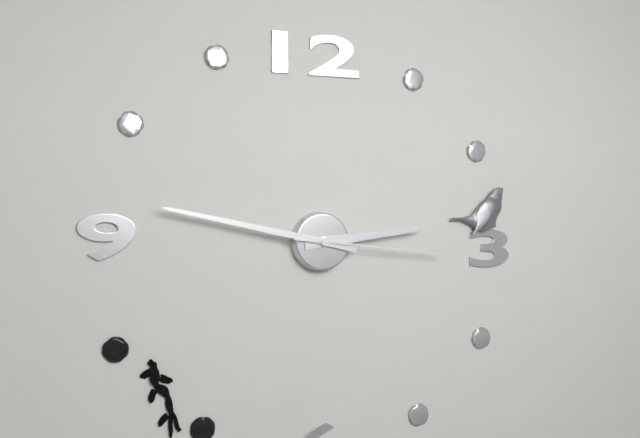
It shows h=2 m=47 s=16
